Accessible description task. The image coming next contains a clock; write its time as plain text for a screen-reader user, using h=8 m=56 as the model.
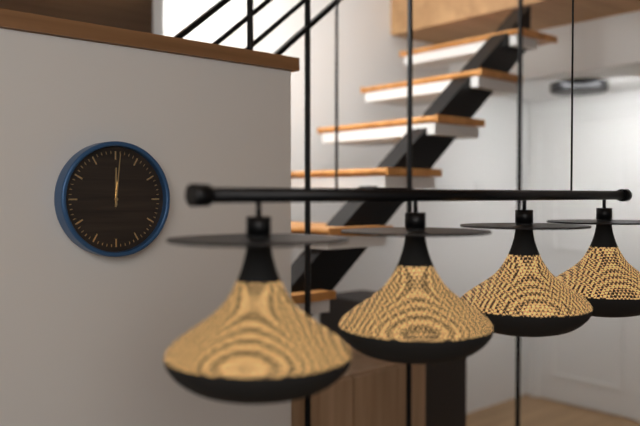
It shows h=12 m=1
